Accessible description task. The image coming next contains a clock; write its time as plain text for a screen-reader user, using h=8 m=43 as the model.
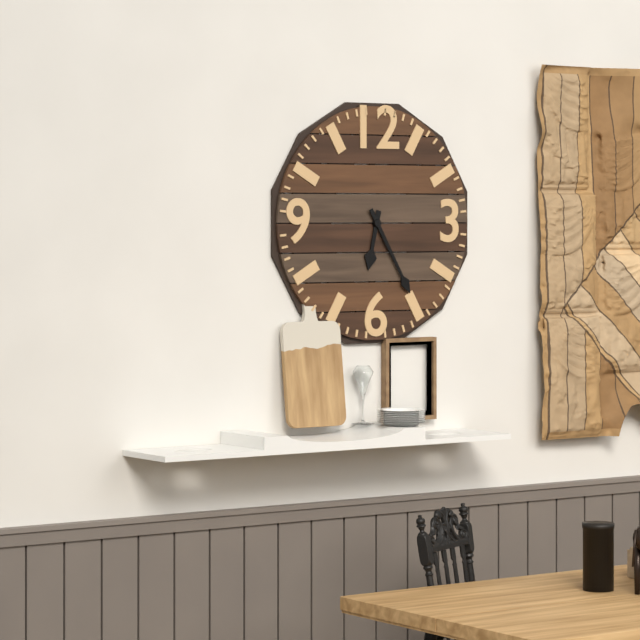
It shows h=6 m=25
